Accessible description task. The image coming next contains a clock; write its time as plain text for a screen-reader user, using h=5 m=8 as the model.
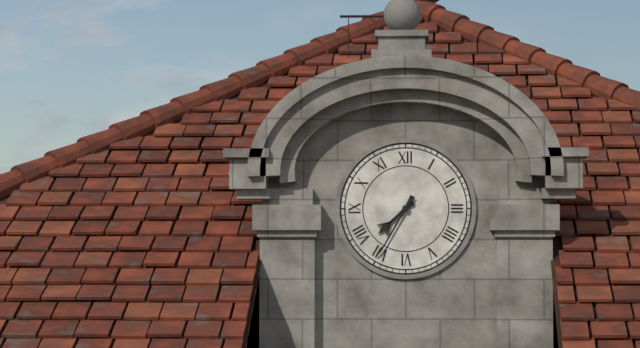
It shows h=7 m=35
